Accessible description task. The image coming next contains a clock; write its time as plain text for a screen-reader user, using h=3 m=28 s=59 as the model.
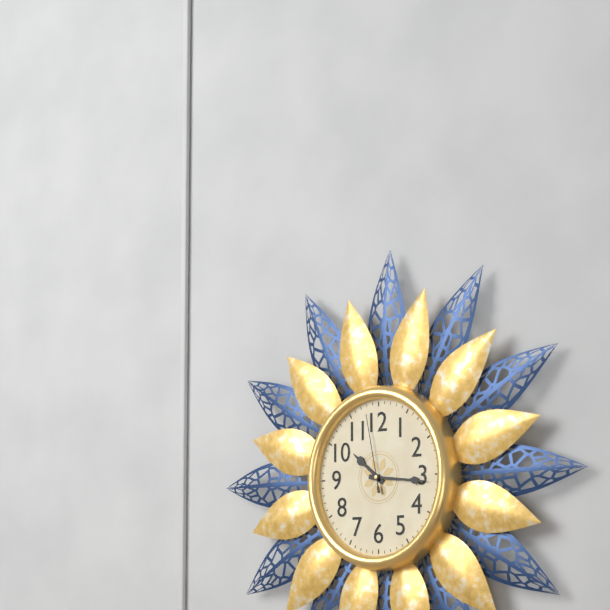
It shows h=10 m=16 s=58
